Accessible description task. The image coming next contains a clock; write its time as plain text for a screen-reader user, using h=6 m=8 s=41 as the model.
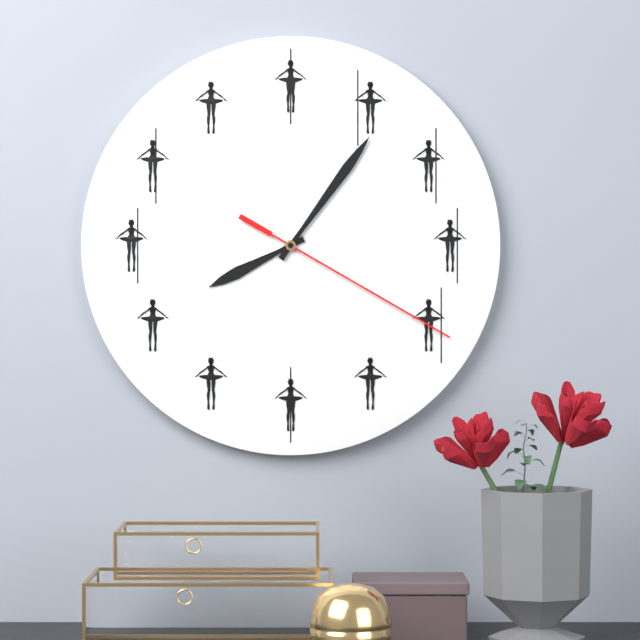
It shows h=8 m=6 s=20
